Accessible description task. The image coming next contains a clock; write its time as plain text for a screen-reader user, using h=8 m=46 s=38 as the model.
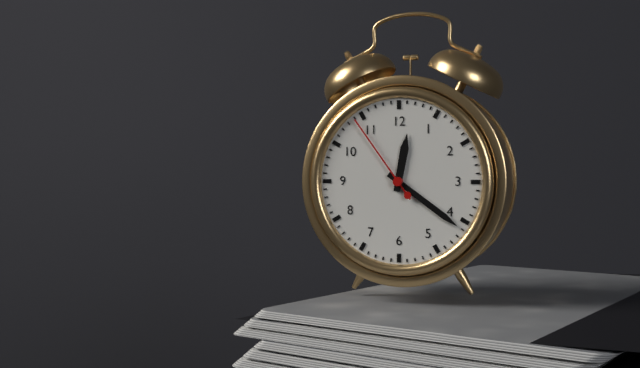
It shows h=12 m=21 s=54
